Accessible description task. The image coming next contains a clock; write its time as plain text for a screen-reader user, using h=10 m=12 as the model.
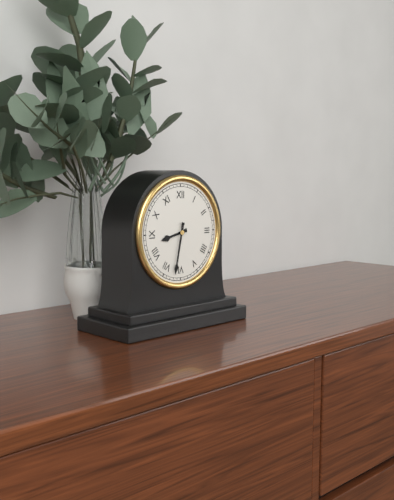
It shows h=8 m=32
